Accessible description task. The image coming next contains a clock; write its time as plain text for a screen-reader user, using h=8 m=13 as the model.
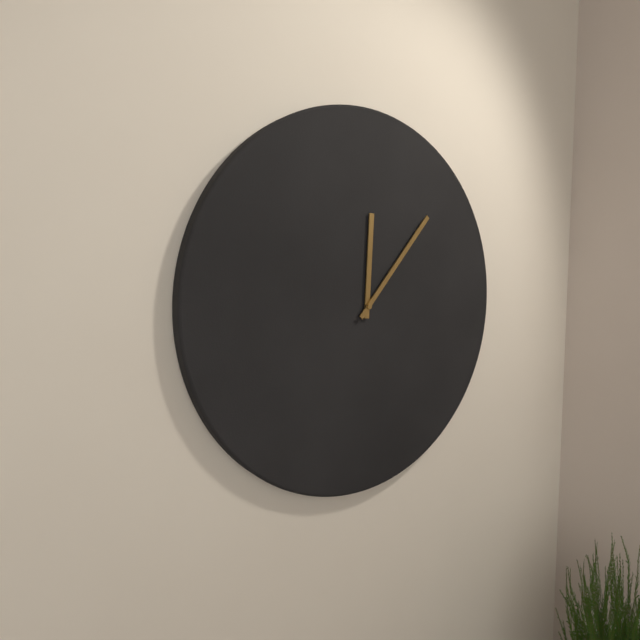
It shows h=12 m=7
